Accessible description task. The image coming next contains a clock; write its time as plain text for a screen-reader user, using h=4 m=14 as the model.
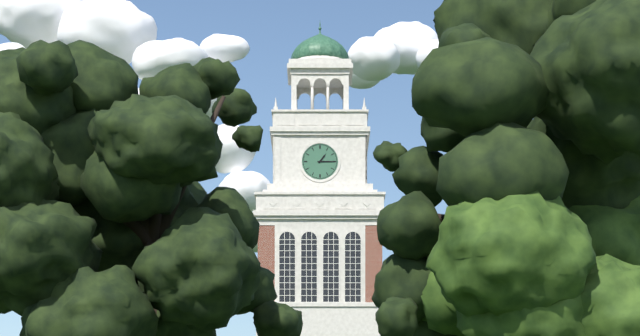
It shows h=1 m=15
